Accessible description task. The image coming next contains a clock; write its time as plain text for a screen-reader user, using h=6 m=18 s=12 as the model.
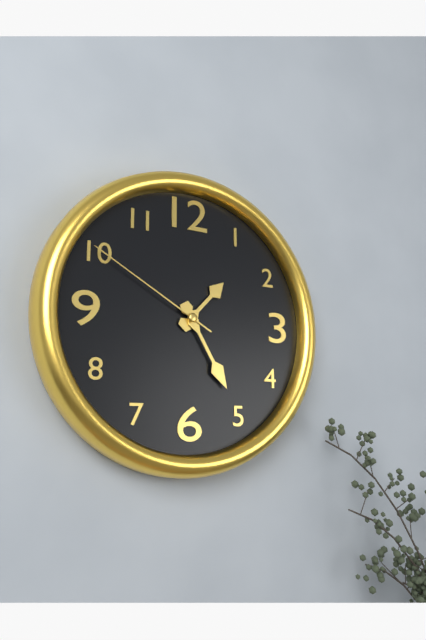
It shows h=1 m=25 s=50
